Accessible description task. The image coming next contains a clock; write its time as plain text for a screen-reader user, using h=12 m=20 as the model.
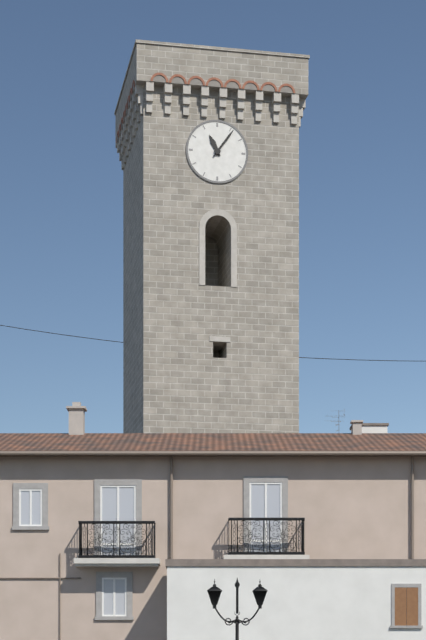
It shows h=11 m=6
